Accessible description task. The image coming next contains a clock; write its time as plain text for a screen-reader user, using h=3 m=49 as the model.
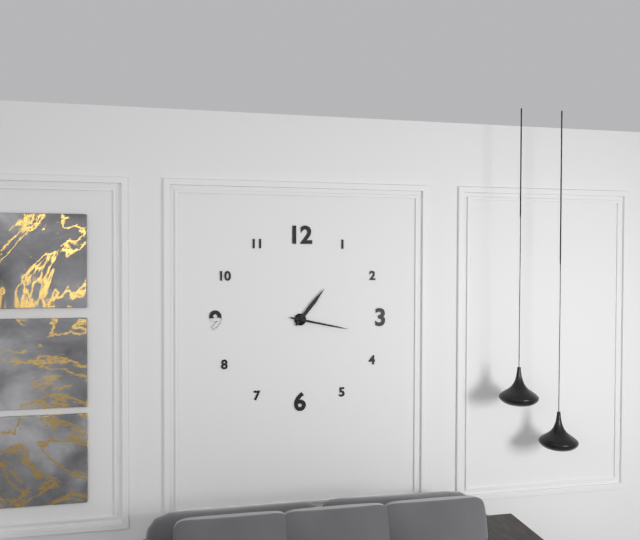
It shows h=1 m=17
